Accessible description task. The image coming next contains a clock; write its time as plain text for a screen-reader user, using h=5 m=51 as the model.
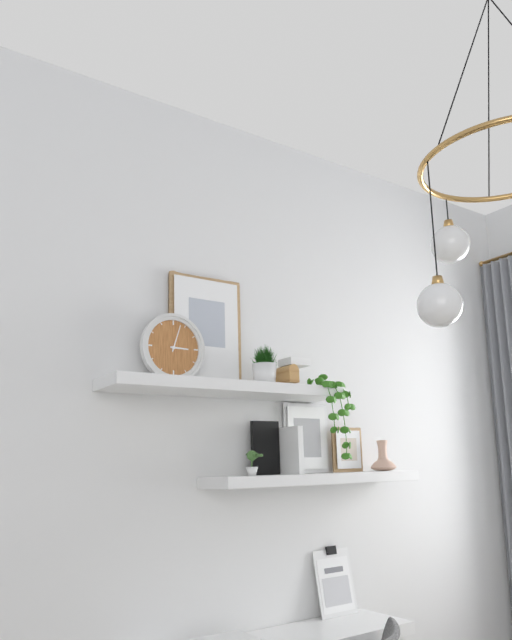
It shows h=3 m=3
